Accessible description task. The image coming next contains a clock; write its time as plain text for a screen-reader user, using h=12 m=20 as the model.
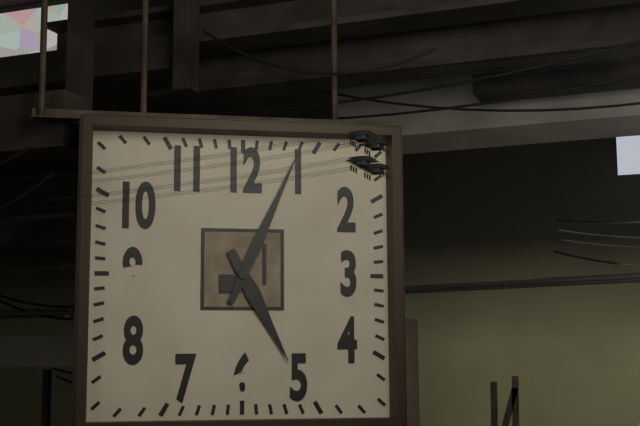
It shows h=5 m=4
